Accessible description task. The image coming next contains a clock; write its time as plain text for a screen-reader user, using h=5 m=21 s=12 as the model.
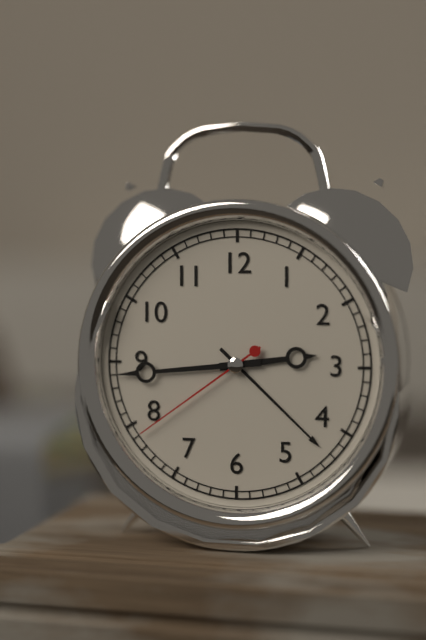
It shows h=2 m=44 s=39
